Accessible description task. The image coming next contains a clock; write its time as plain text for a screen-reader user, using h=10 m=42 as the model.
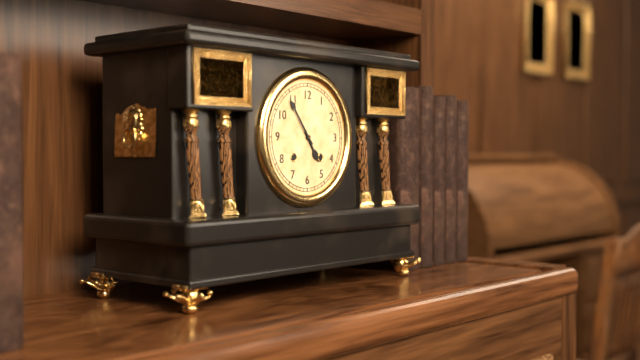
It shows h=4 m=54
